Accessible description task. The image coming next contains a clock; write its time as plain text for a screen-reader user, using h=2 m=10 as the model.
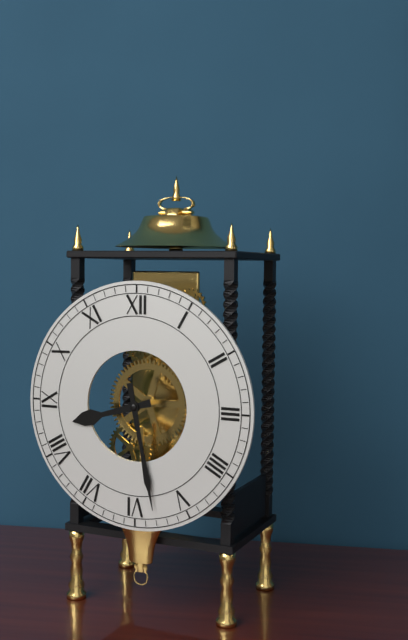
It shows h=8 m=28
